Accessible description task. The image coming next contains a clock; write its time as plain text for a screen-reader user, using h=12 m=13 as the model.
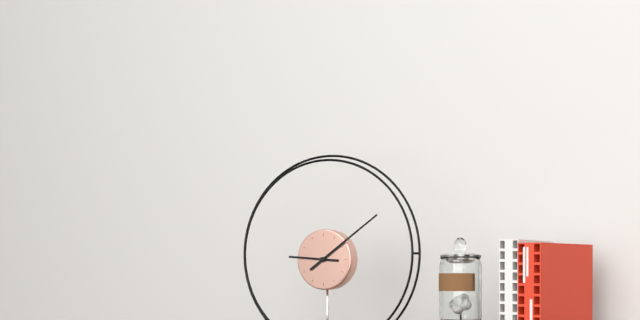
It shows h=9 m=9
